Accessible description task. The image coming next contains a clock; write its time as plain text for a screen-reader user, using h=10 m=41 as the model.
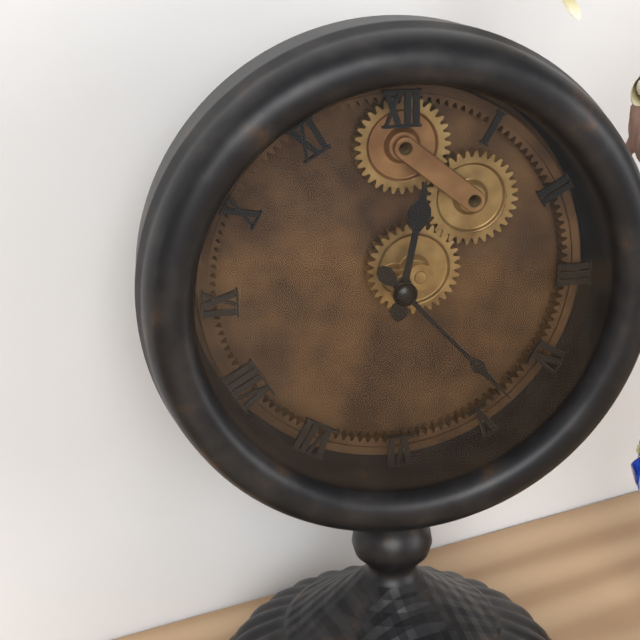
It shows h=12 m=23
